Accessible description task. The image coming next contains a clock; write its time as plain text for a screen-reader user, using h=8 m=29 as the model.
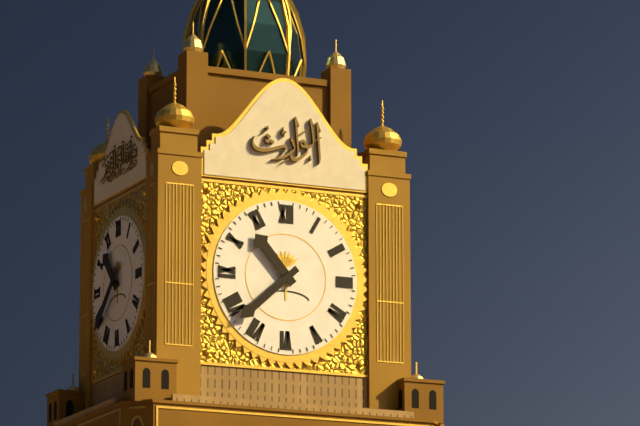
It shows h=10 m=38
